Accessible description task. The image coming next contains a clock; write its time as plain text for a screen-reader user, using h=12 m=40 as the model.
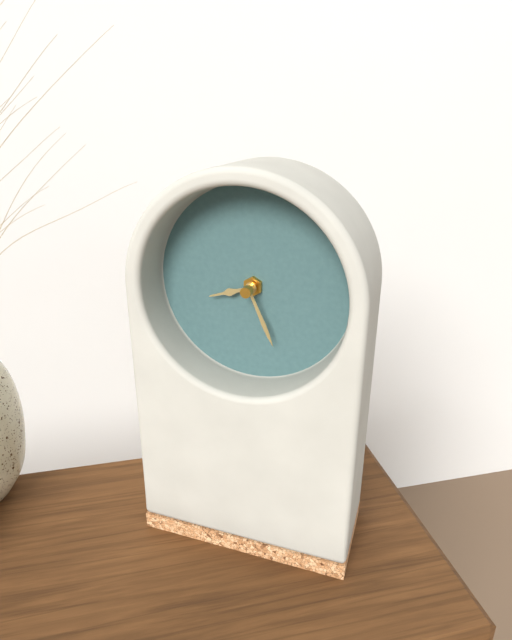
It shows h=8 m=26
